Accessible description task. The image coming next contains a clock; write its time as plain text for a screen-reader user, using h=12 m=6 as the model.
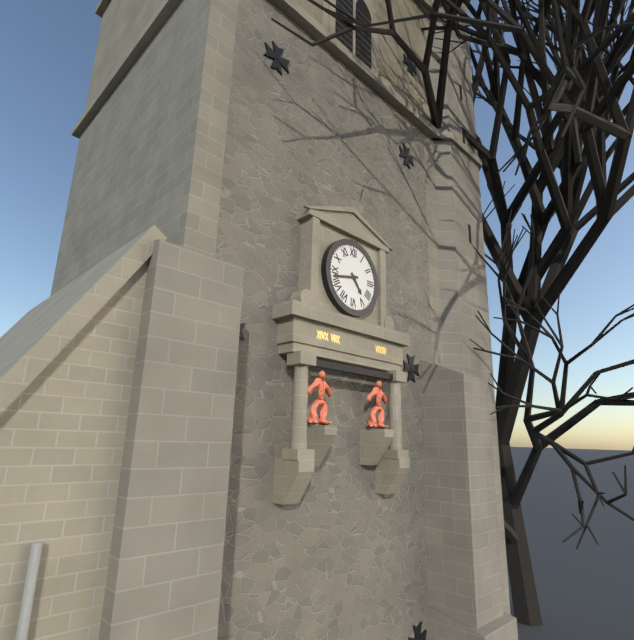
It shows h=4 m=43
